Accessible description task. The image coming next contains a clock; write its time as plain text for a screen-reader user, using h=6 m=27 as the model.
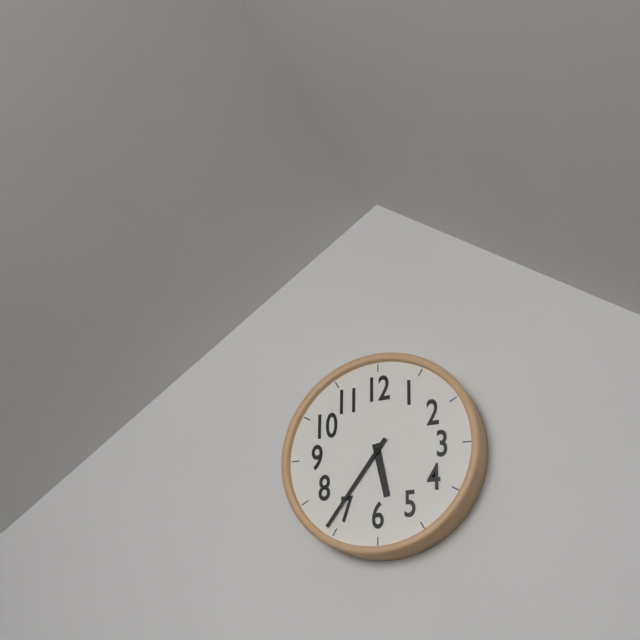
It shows h=5 m=36
